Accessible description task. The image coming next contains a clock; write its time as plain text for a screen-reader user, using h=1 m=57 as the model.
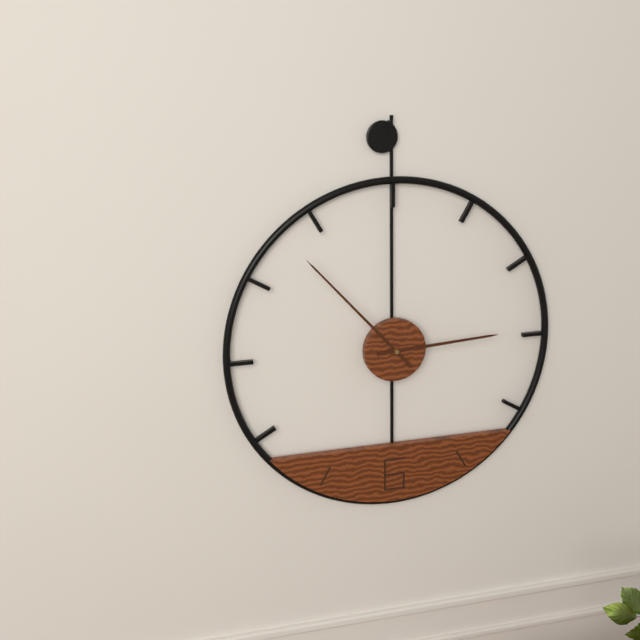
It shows h=2 m=53
